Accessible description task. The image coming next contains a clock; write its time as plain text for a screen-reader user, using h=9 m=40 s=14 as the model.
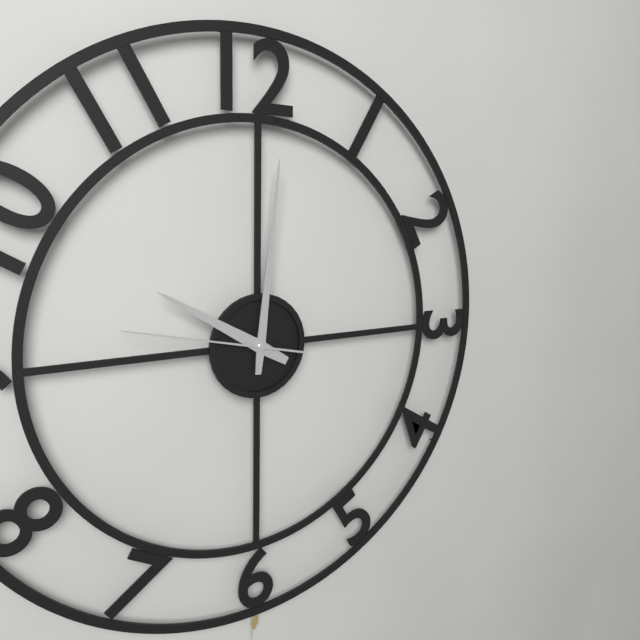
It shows h=10 m=1 s=47
